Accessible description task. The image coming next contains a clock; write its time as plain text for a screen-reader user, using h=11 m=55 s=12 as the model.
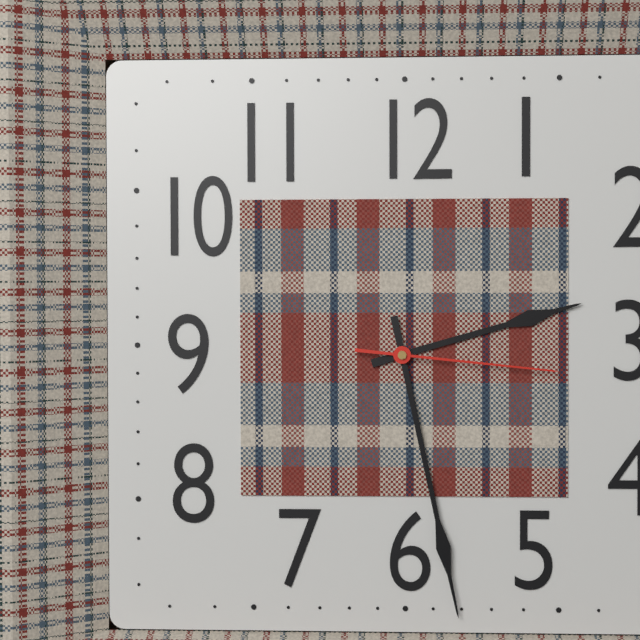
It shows h=2 m=28 s=16
